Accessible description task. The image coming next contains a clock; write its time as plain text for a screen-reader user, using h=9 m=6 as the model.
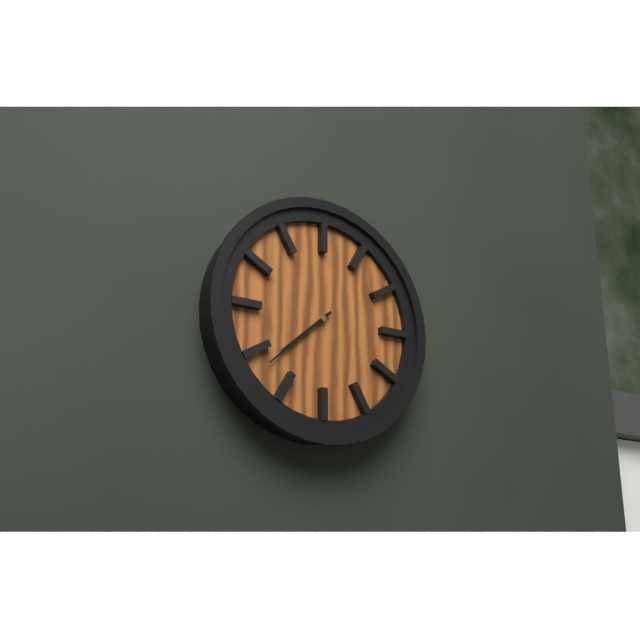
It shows h=7 m=38
